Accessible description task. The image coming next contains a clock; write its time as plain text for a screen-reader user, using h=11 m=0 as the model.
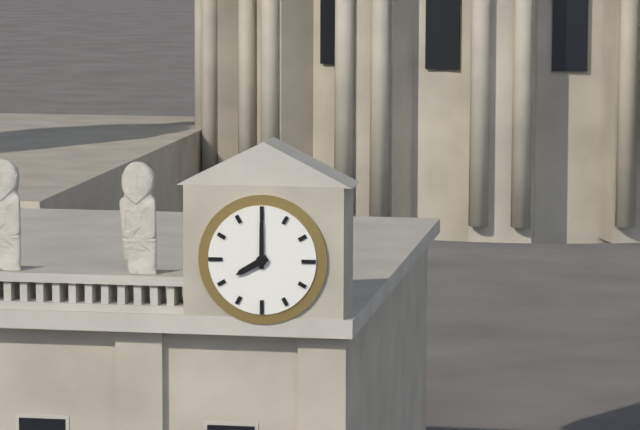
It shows h=8 m=0
